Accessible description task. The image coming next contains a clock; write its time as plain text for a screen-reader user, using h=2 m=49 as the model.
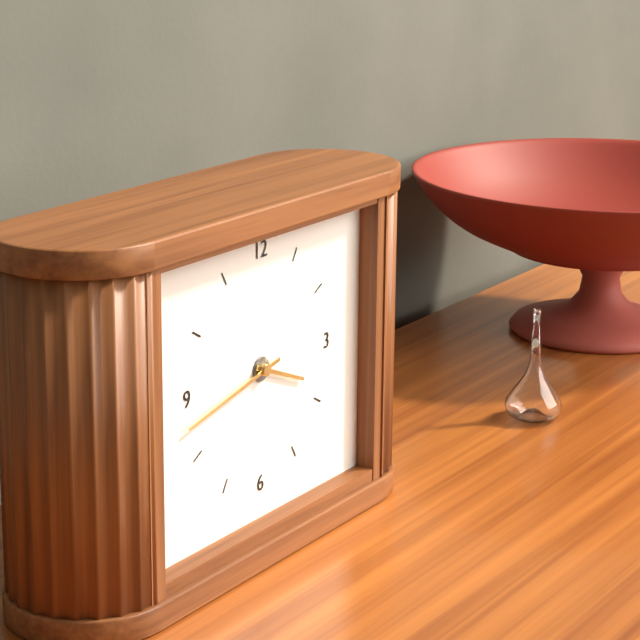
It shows h=3 m=43
